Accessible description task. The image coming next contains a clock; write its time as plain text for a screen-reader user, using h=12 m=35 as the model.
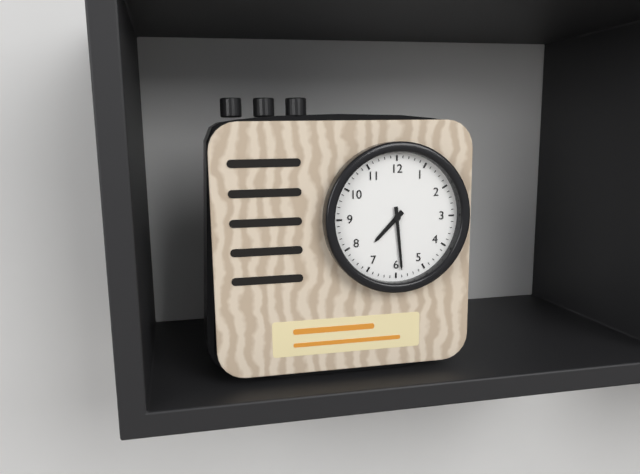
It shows h=7 m=29
